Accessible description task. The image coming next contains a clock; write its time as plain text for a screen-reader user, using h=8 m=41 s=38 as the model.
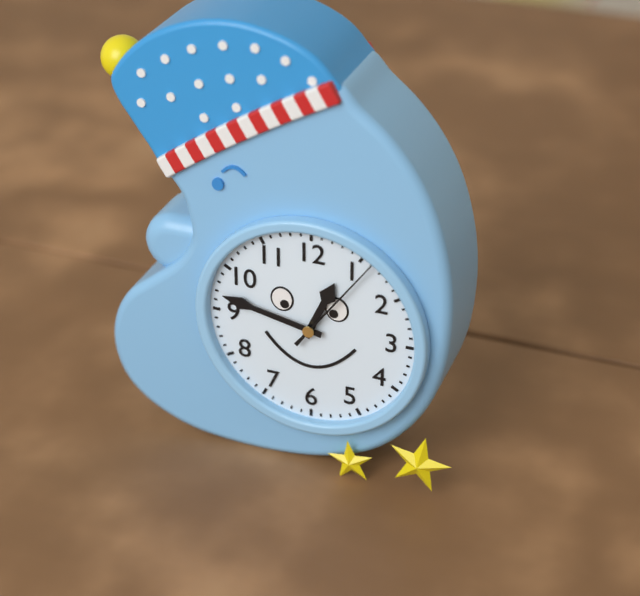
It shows h=12 m=47 s=6
